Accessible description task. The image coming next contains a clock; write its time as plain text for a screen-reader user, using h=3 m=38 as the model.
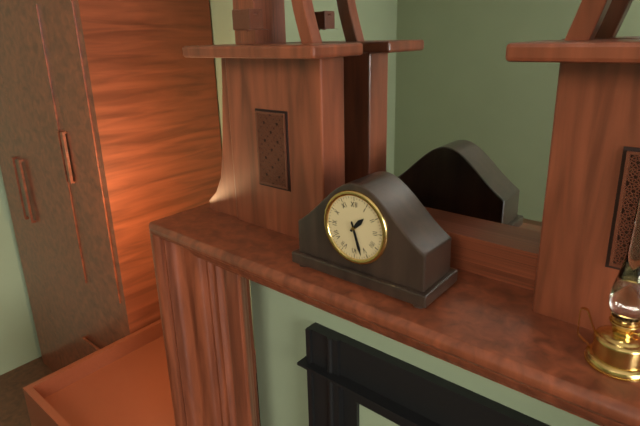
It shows h=1 m=27
